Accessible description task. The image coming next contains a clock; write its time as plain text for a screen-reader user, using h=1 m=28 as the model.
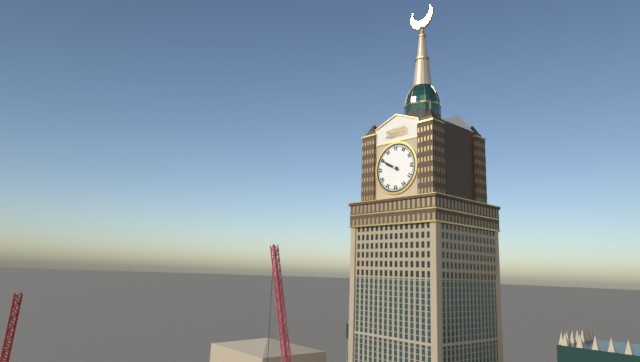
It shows h=9 m=50
